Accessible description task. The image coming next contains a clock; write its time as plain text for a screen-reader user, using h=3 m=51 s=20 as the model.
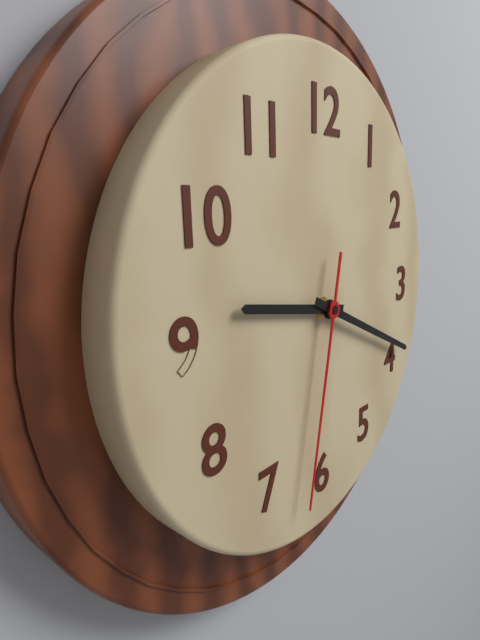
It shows h=9 m=19 s=32
